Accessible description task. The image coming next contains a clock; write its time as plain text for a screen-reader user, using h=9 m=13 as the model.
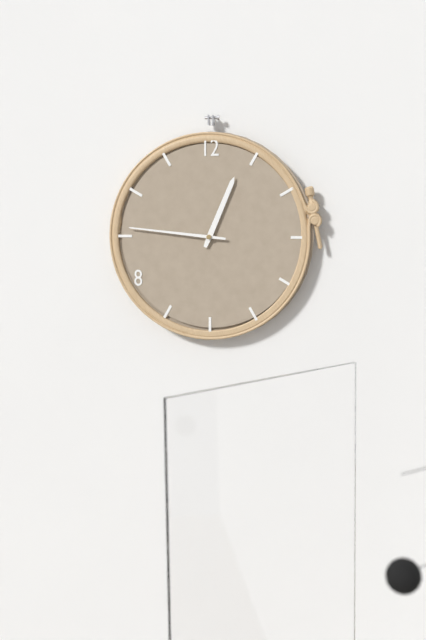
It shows h=12 m=46
